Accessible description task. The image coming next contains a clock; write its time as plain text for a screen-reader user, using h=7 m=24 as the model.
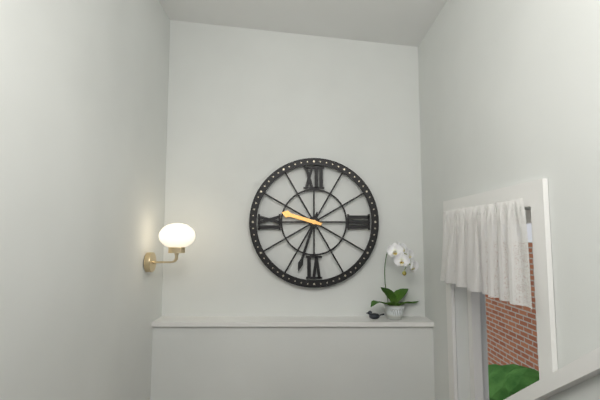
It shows h=9 m=33
